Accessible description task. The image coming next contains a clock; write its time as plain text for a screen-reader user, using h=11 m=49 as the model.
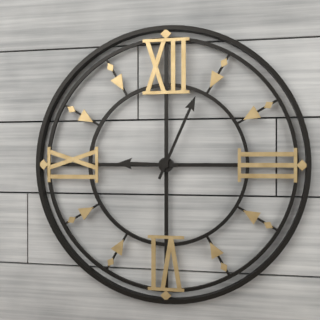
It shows h=9 m=4
